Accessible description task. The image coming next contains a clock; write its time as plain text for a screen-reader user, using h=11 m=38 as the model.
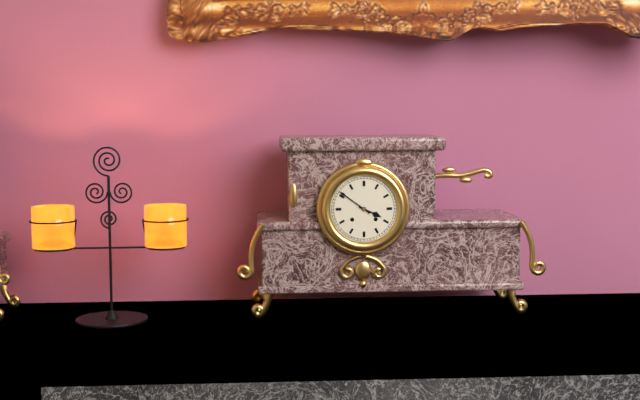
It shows h=3 m=51
